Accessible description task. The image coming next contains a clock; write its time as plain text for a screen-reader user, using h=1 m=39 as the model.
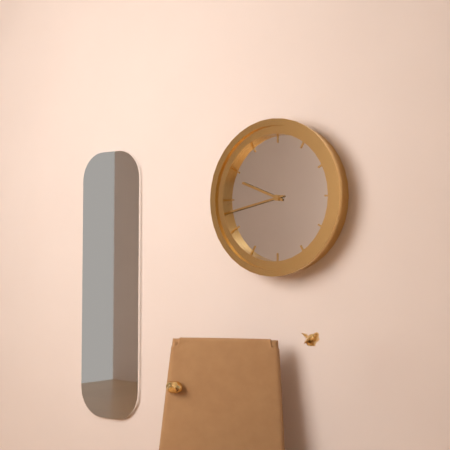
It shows h=9 m=43
